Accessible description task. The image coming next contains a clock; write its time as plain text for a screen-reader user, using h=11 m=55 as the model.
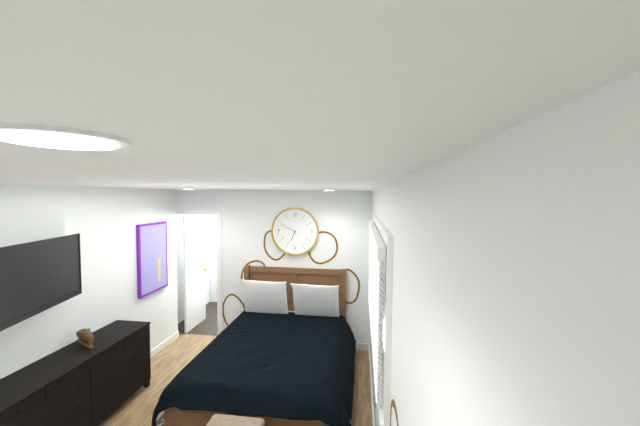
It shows h=6 m=49
